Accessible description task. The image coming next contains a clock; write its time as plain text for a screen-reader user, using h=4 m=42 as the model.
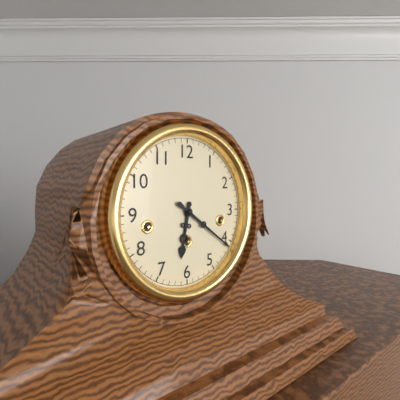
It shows h=6 m=21
